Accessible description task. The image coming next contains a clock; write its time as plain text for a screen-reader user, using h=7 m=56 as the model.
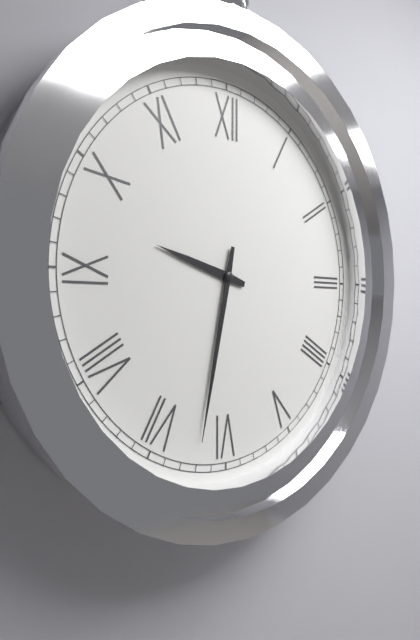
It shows h=9 m=32
